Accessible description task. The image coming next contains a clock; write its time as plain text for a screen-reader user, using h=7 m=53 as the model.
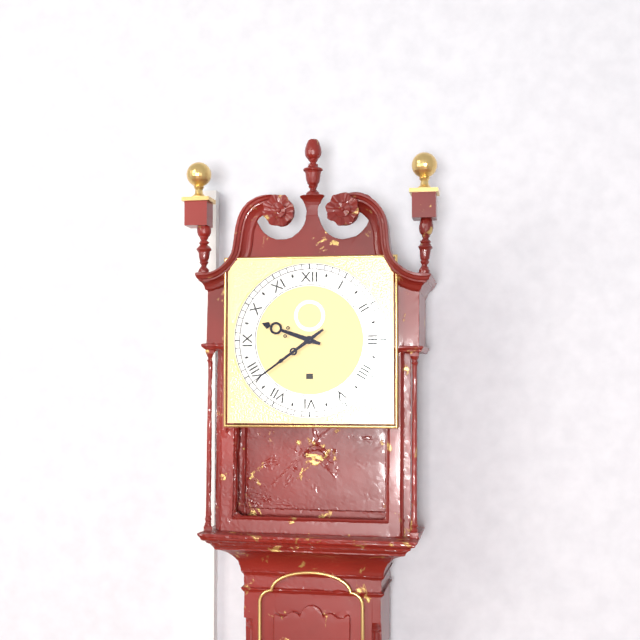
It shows h=9 m=39
